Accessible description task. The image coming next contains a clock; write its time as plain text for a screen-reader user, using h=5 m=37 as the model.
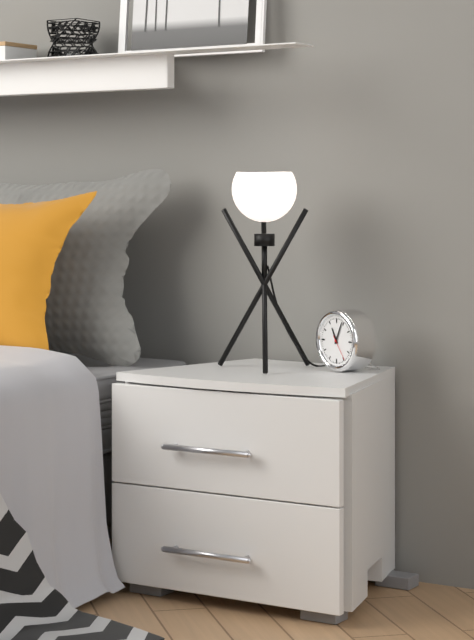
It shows h=11 m=4
